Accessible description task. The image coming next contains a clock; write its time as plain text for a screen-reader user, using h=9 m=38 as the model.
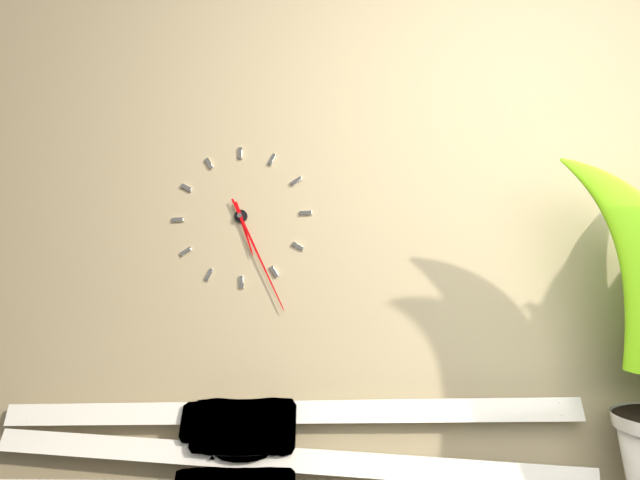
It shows h=5 m=26
